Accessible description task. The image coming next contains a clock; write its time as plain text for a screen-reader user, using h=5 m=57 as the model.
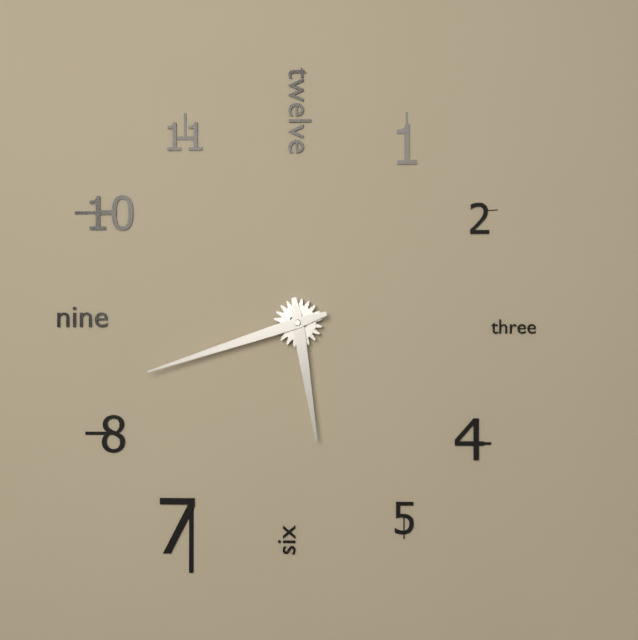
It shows h=5 m=42
